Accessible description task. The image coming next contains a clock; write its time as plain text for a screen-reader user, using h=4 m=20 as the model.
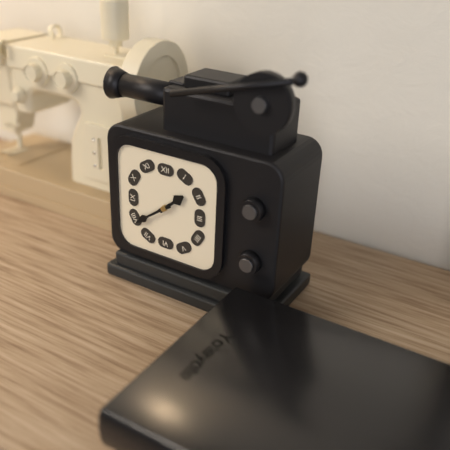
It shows h=1 m=39
